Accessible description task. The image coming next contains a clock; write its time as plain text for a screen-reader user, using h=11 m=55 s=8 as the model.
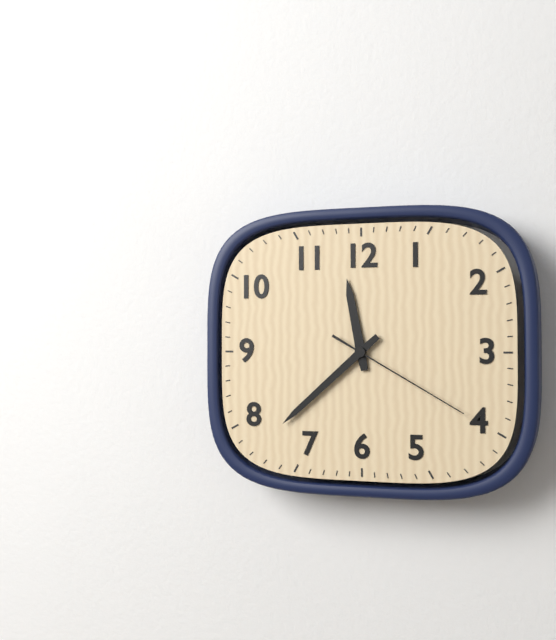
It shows h=11 m=38 s=20
